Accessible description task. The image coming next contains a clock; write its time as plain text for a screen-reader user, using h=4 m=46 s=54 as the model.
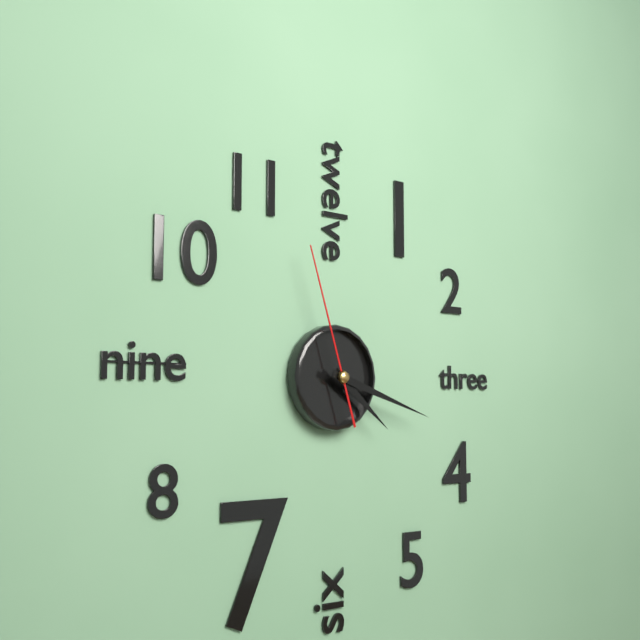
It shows h=4 m=18 s=57
